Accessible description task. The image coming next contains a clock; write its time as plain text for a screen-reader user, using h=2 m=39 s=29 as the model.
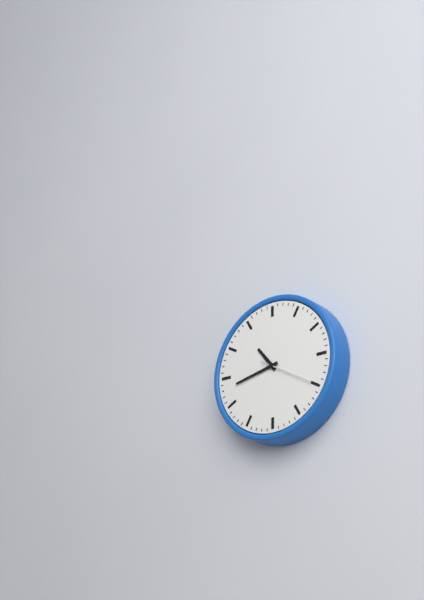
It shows h=10 m=43 s=20
